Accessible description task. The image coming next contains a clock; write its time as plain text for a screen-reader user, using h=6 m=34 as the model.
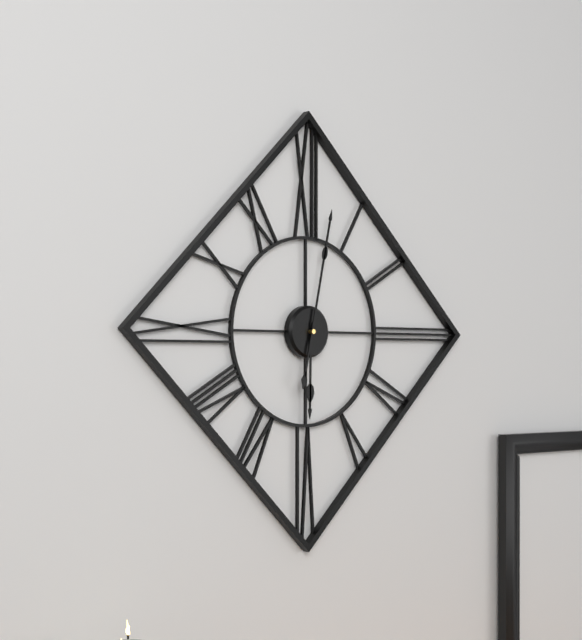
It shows h=6 m=2
